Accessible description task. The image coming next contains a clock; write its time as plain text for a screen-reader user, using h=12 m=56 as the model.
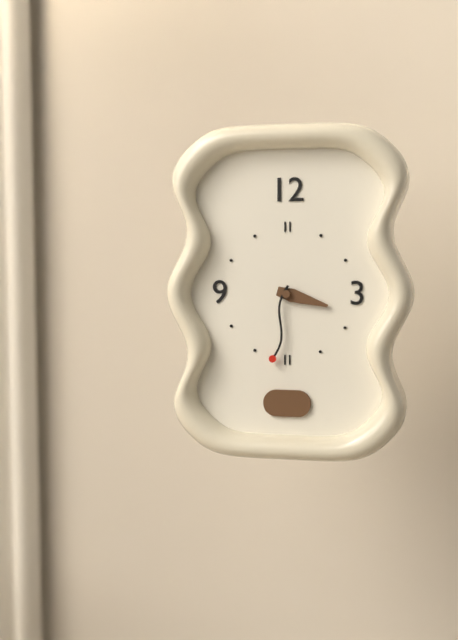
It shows h=3 m=32
